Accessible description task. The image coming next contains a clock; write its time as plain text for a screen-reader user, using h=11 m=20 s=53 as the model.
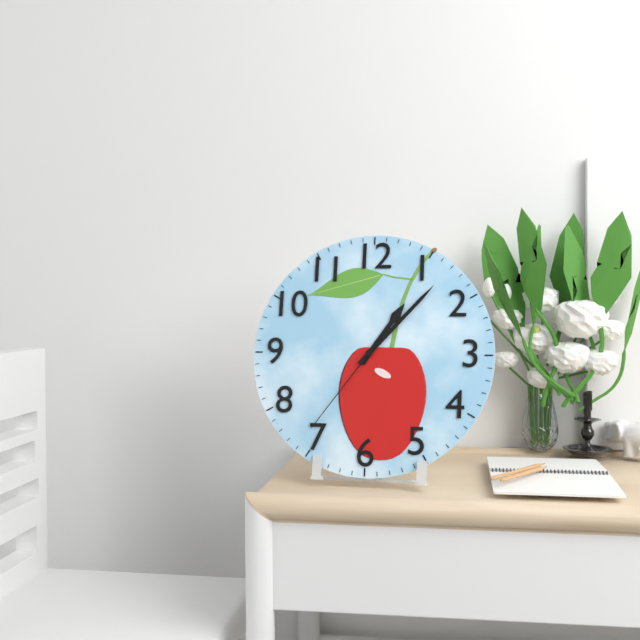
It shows h=1 m=7 s=36
